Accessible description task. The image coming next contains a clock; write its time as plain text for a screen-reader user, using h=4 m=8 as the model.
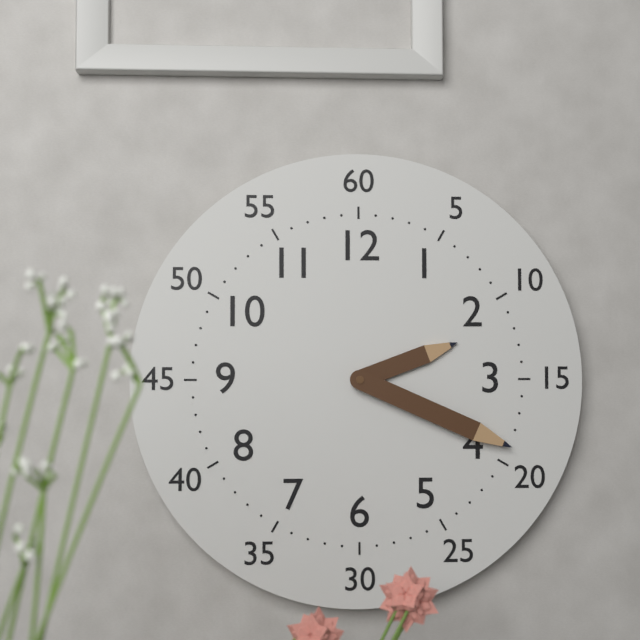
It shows h=2 m=19
